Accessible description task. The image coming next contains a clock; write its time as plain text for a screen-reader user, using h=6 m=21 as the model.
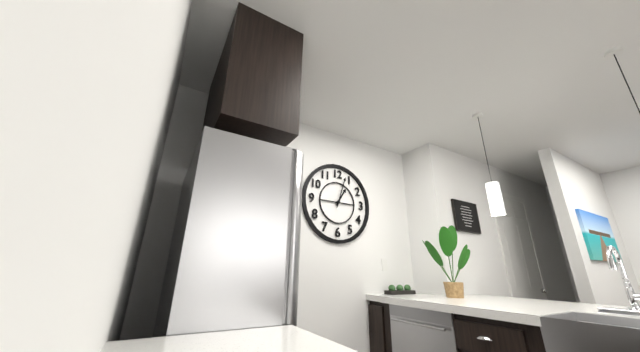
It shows h=1 m=3
